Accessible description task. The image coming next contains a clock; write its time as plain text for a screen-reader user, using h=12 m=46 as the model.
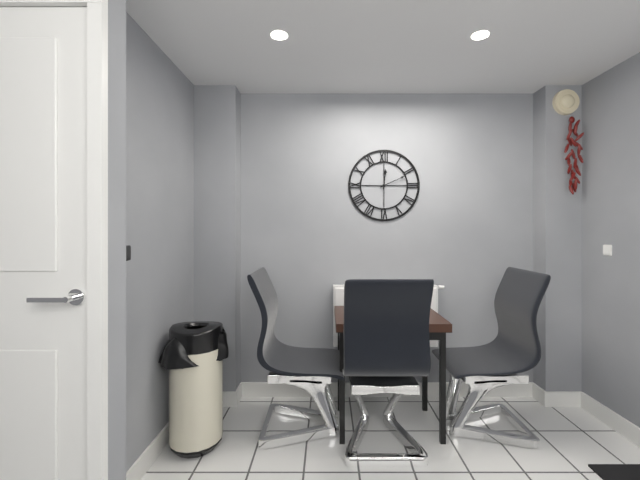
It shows h=12 m=11
